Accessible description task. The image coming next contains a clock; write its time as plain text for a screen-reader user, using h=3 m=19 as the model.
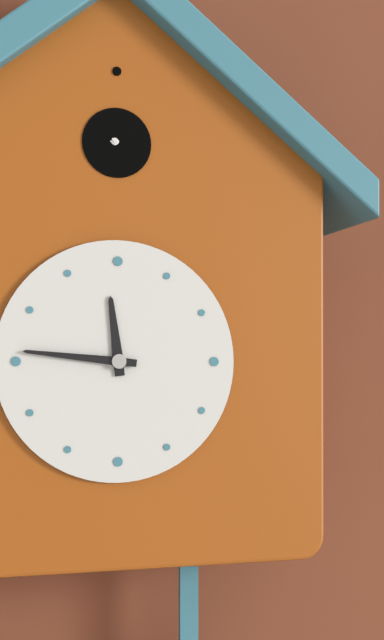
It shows h=11 m=46
